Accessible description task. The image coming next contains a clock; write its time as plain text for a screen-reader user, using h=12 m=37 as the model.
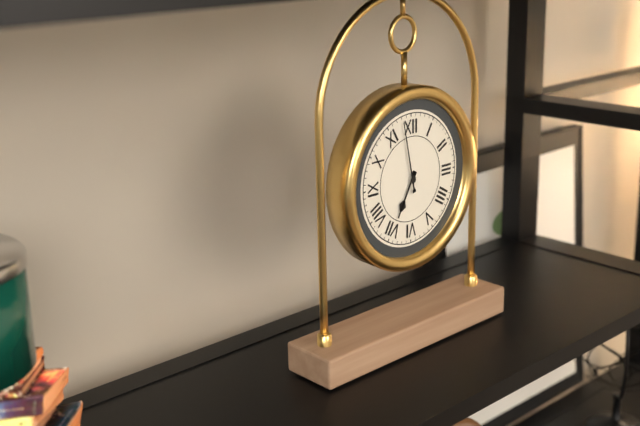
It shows h=6 m=58
